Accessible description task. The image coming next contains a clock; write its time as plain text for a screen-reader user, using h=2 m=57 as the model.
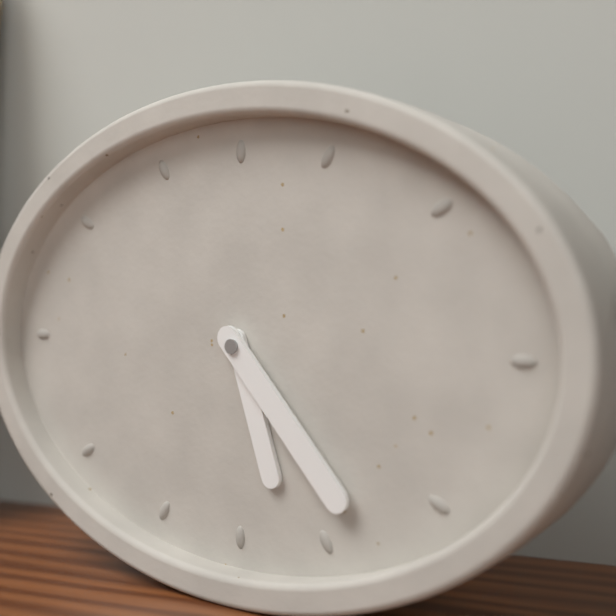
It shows h=5 m=23
